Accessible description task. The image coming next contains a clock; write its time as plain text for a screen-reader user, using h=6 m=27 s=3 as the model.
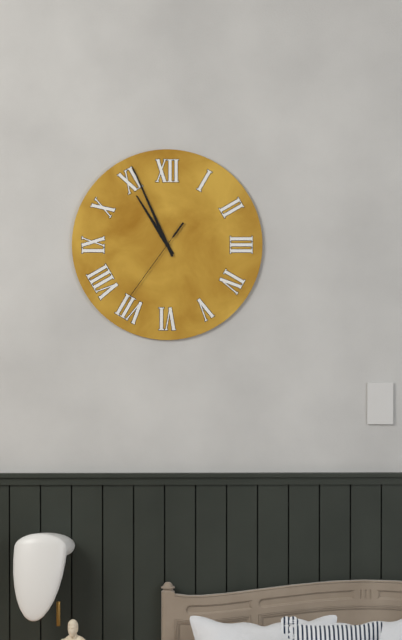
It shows h=10 m=56 s=36
